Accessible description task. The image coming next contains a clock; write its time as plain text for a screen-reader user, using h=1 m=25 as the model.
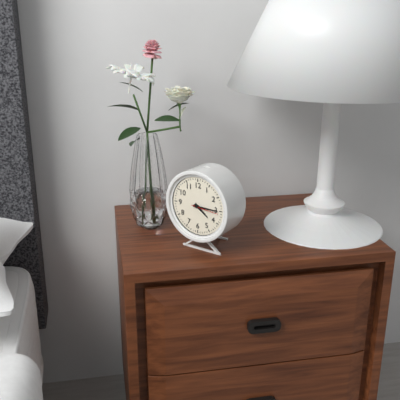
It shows h=4 m=15
